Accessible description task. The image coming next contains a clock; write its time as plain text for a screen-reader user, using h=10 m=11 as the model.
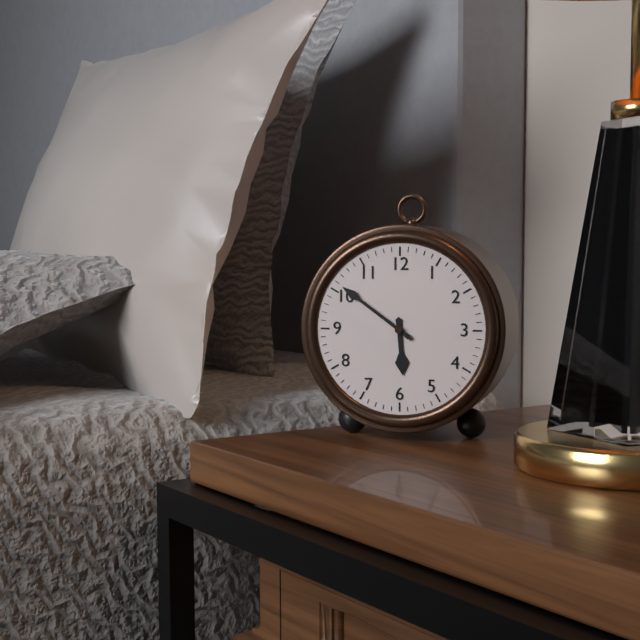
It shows h=5 m=51
